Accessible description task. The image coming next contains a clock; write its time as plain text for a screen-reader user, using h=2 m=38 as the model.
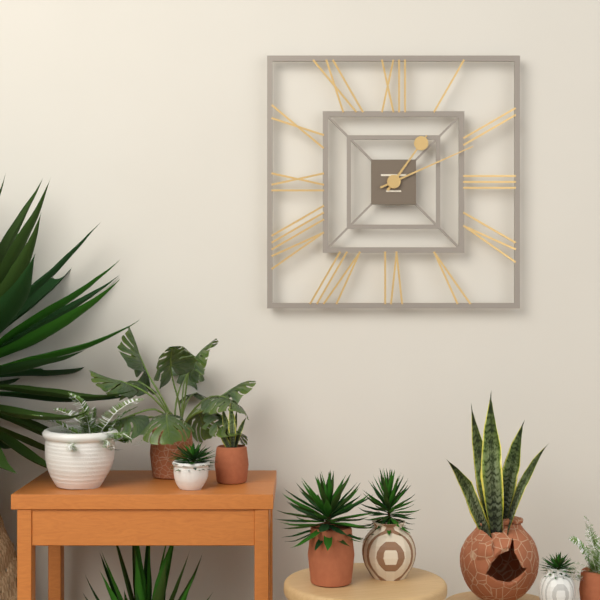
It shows h=1 m=11
